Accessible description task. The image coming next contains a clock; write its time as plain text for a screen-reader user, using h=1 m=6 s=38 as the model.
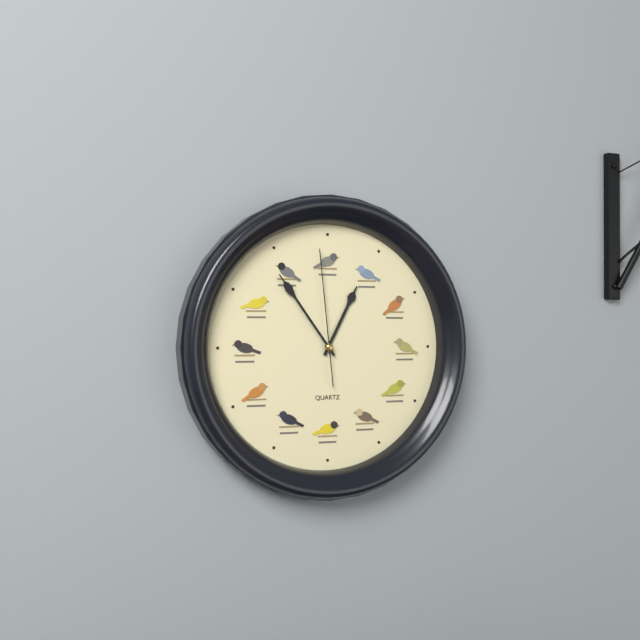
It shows h=12 m=54 s=59
